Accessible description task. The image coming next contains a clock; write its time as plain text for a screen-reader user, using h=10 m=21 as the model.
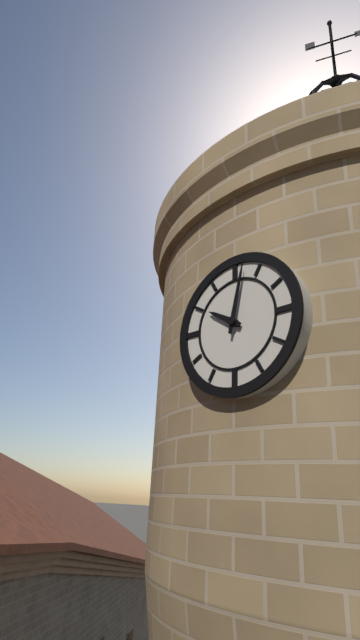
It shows h=10 m=2
